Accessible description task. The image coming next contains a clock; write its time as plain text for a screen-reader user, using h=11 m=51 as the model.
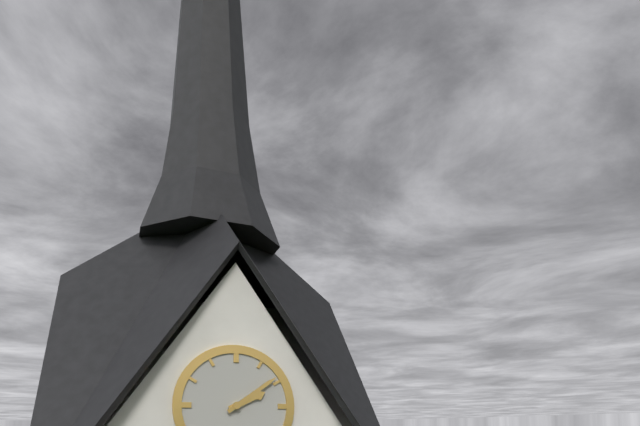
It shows h=2 m=9
